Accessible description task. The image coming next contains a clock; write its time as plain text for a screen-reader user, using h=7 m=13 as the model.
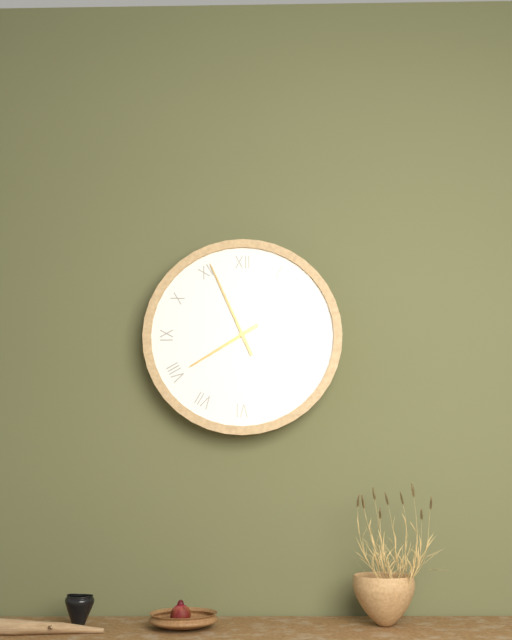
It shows h=7 m=56
